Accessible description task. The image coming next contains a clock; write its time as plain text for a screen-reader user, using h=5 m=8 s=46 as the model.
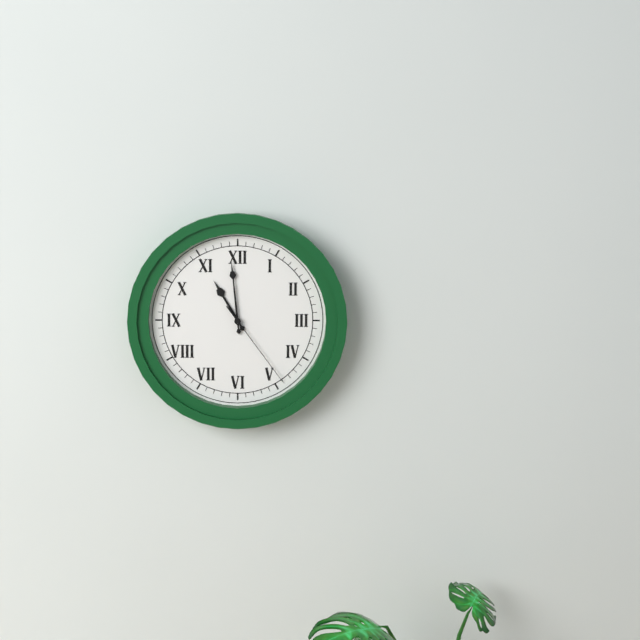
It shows h=10 m=59 s=24
